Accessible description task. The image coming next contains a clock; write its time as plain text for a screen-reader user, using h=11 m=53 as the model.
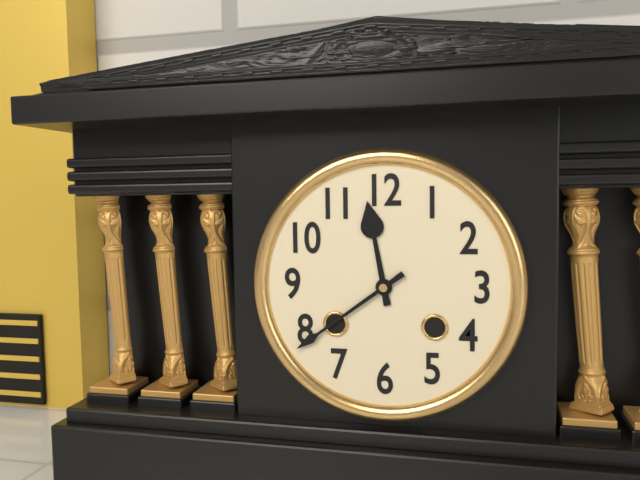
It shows h=11 m=39
